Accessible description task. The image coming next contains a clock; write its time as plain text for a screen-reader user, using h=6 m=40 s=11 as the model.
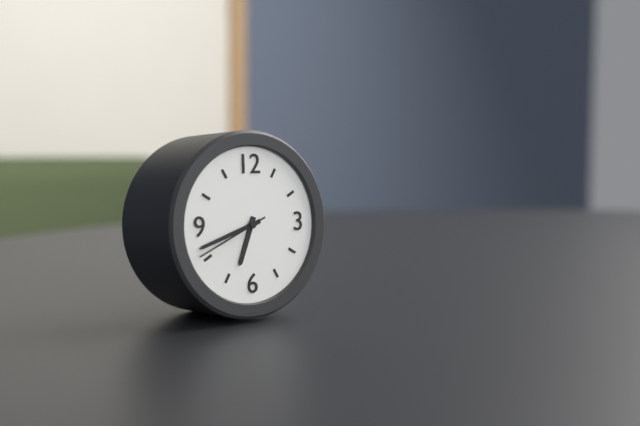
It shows h=6 m=42 s=41
